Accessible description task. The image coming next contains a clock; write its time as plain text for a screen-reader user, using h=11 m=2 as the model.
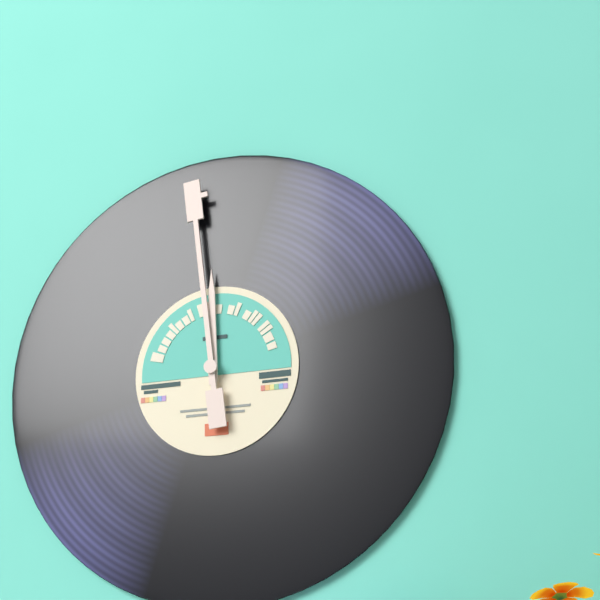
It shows h=11 m=59
